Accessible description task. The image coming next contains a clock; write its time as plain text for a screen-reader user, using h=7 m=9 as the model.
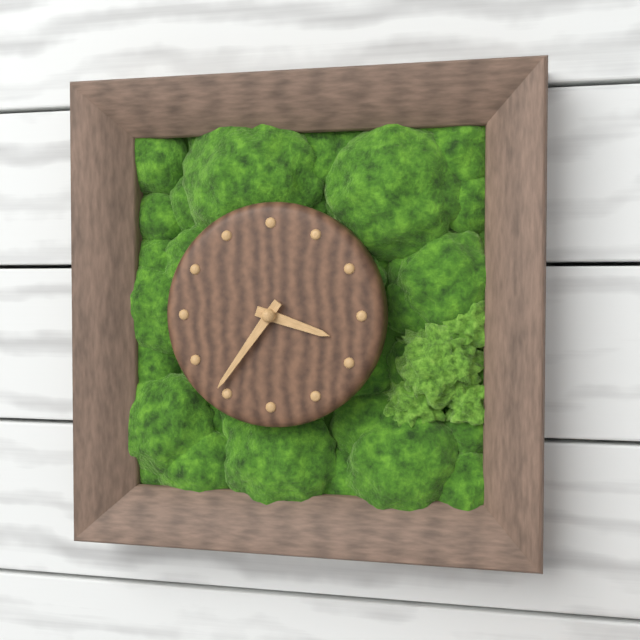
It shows h=3 m=36
